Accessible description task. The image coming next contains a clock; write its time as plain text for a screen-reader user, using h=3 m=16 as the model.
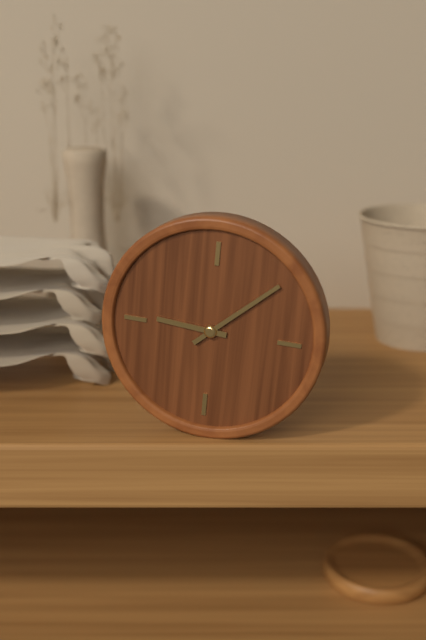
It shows h=9 m=8
